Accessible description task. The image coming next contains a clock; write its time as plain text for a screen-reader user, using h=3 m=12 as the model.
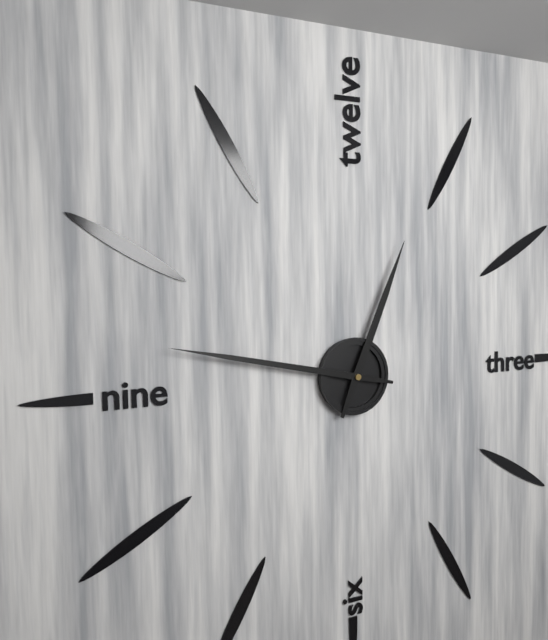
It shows h=12 m=47
